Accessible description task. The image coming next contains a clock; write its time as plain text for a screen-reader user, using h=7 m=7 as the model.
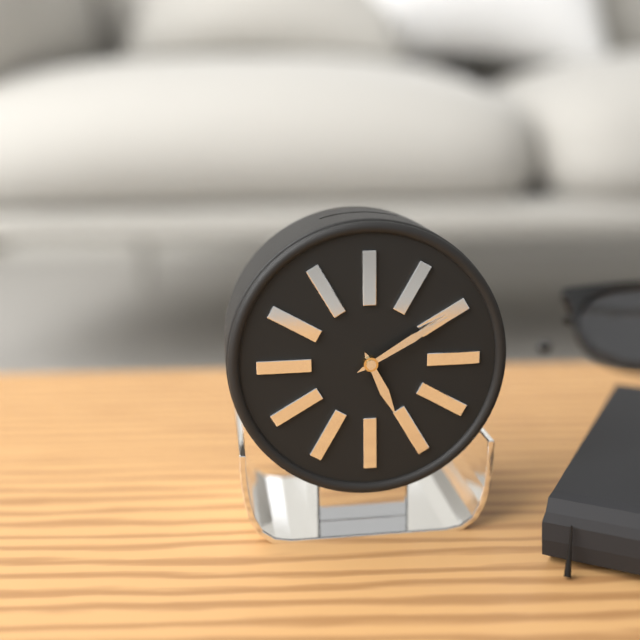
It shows h=5 m=10
